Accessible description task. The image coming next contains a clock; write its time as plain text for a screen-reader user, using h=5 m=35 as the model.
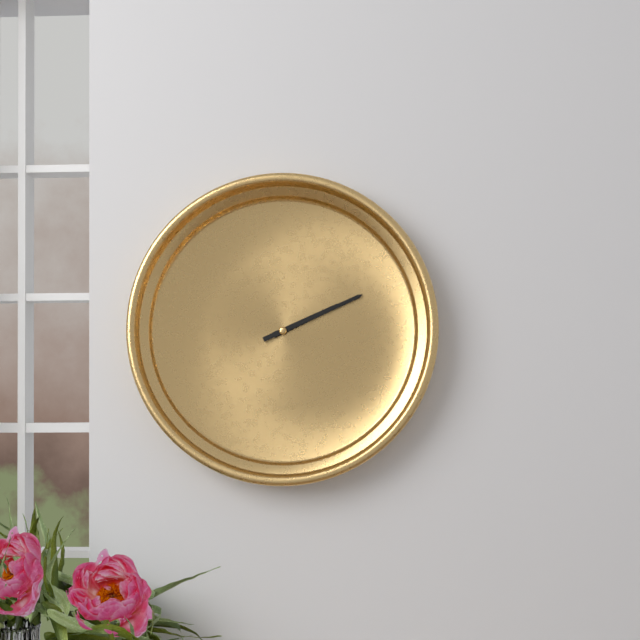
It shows h=2 m=11
